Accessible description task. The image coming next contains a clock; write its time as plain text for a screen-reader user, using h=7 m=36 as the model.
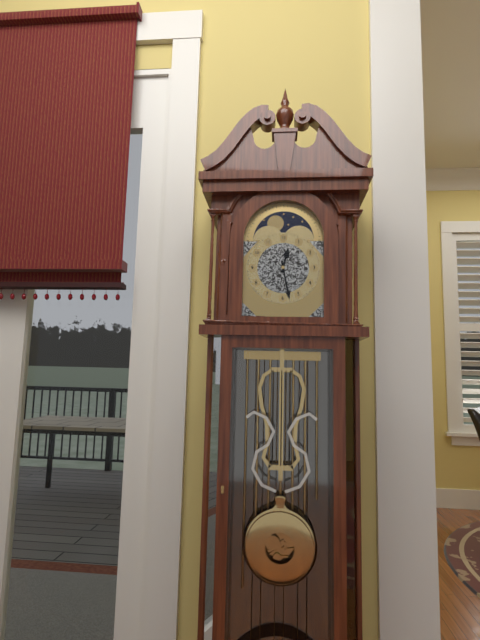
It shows h=12 m=28
